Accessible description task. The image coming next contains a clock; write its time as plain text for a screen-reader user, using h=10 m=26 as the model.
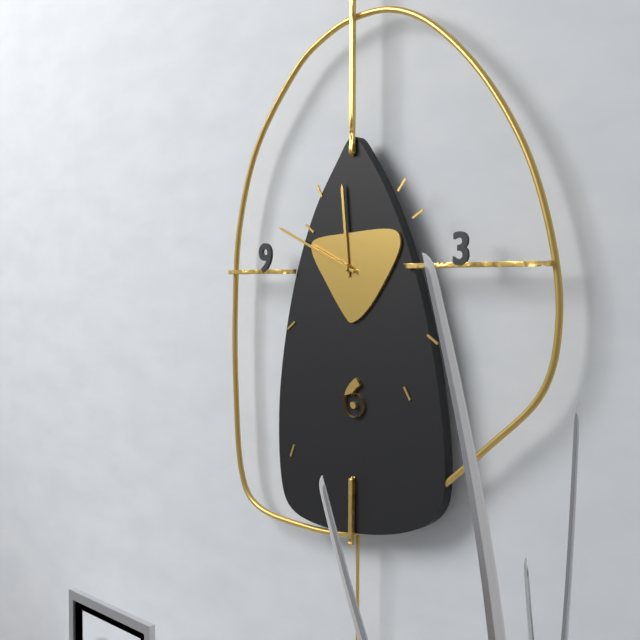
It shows h=11 m=49
